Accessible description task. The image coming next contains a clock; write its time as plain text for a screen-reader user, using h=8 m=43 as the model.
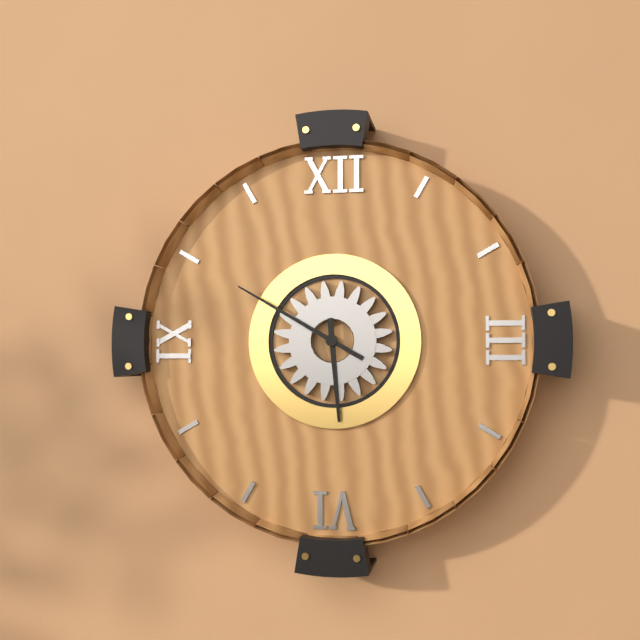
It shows h=5 m=50
